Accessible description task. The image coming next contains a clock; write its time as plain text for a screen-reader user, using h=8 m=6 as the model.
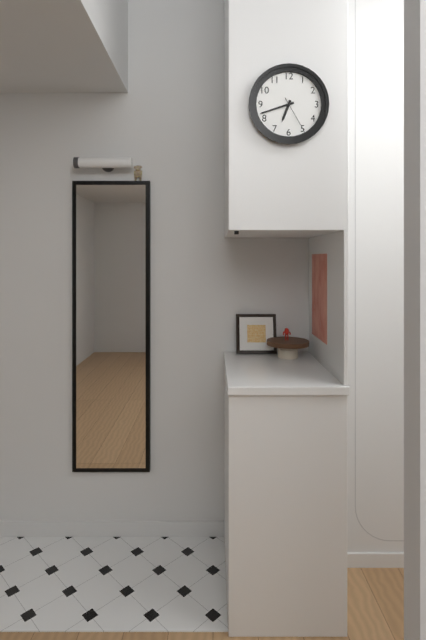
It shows h=6 m=42
